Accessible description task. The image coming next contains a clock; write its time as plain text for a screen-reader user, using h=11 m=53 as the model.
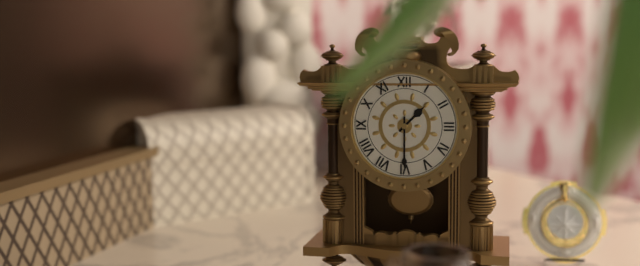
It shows h=1 m=30
